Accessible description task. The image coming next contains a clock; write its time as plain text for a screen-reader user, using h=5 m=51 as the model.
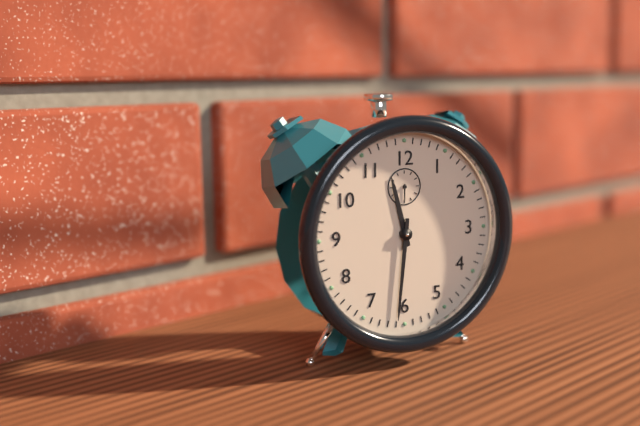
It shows h=11 m=31
